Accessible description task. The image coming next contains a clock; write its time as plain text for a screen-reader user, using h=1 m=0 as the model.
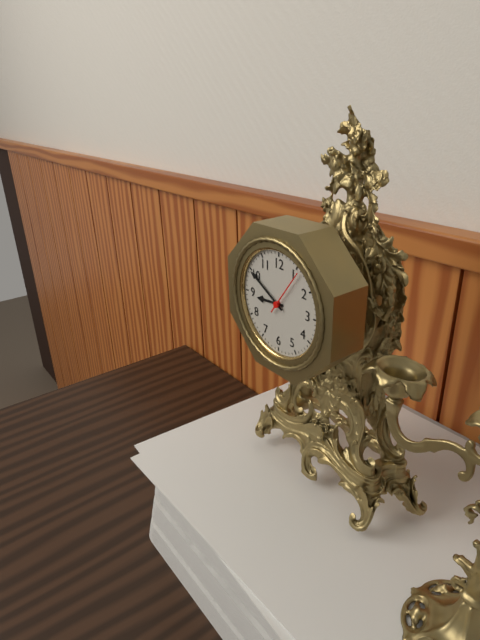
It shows h=8 m=50
